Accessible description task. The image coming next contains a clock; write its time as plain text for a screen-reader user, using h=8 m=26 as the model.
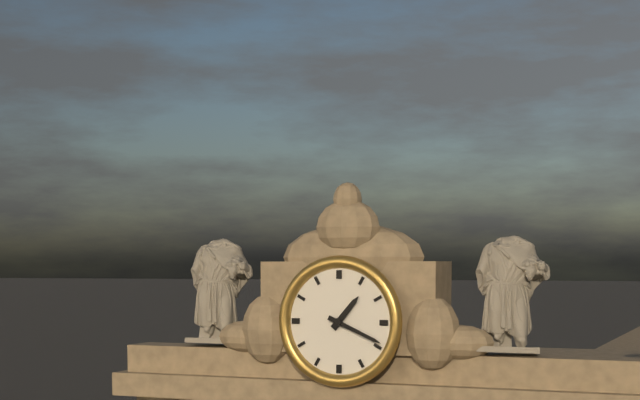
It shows h=1 m=19
